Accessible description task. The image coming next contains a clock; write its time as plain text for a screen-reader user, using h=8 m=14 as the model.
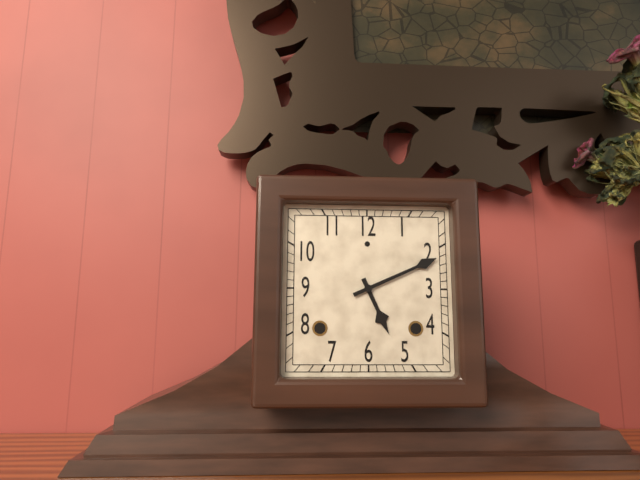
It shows h=5 m=11
